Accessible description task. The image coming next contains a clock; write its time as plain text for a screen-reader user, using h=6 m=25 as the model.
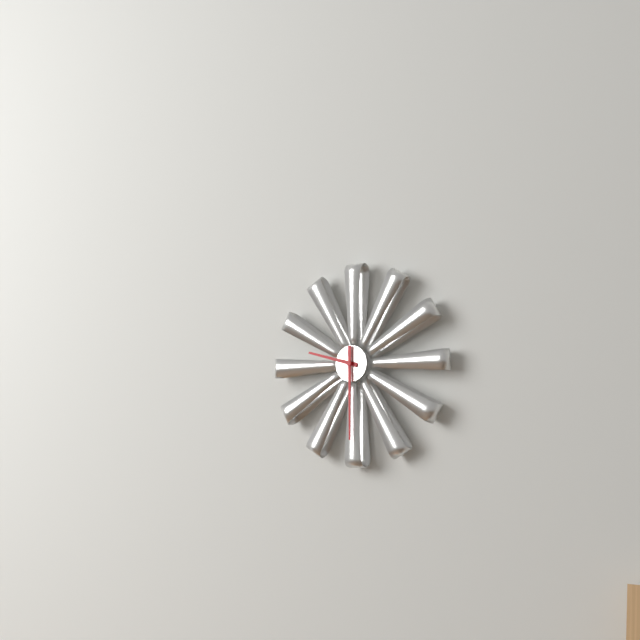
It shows h=9 m=30
